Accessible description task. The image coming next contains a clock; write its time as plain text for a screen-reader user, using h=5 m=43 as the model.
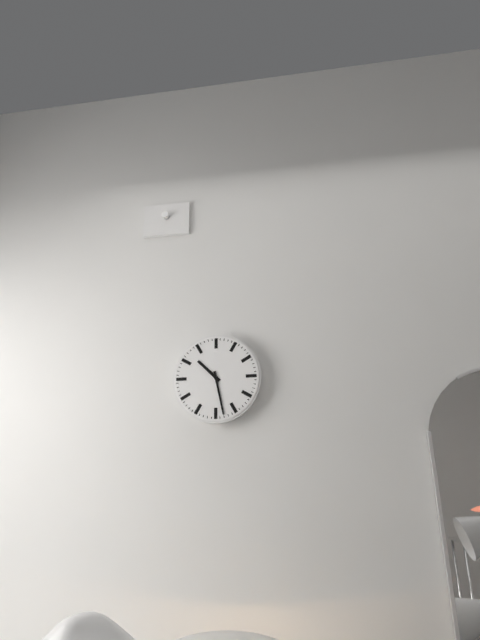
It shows h=10 m=28
